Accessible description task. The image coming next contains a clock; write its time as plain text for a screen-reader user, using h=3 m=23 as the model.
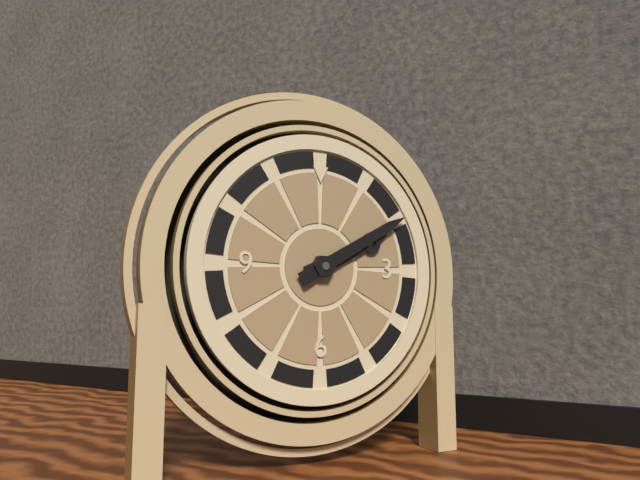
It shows h=2 m=10
